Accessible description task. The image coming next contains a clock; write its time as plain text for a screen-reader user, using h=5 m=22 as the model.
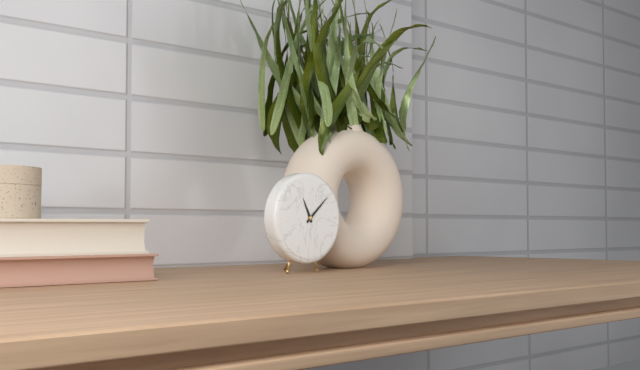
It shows h=11 m=8
